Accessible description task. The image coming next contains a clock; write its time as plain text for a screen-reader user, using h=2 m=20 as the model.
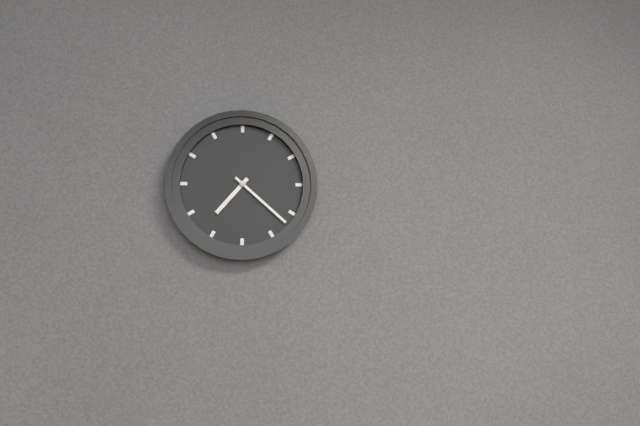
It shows h=7 m=22
